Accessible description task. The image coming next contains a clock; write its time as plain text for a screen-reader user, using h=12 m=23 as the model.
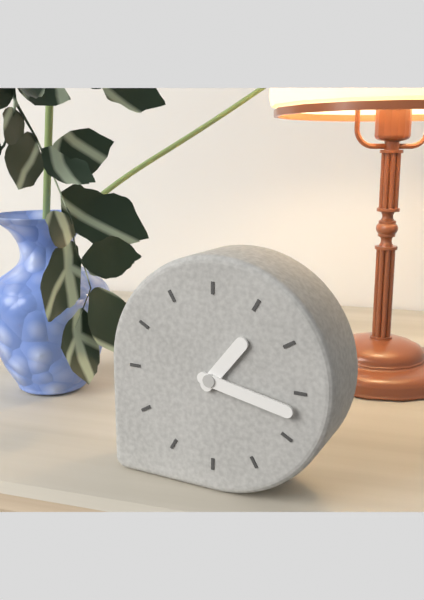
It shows h=1 m=17
